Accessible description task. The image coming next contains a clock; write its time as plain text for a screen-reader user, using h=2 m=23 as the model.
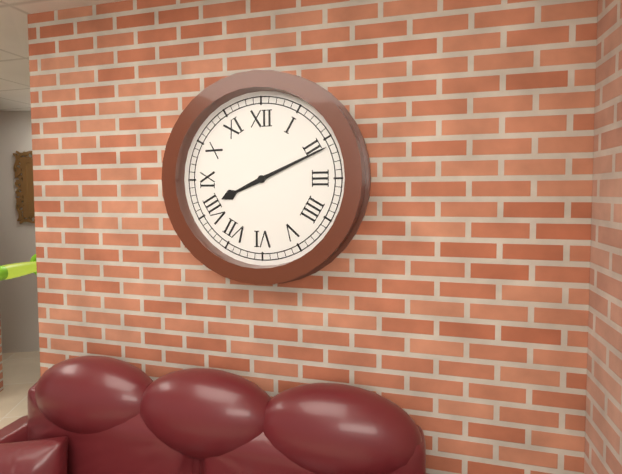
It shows h=8 m=11
